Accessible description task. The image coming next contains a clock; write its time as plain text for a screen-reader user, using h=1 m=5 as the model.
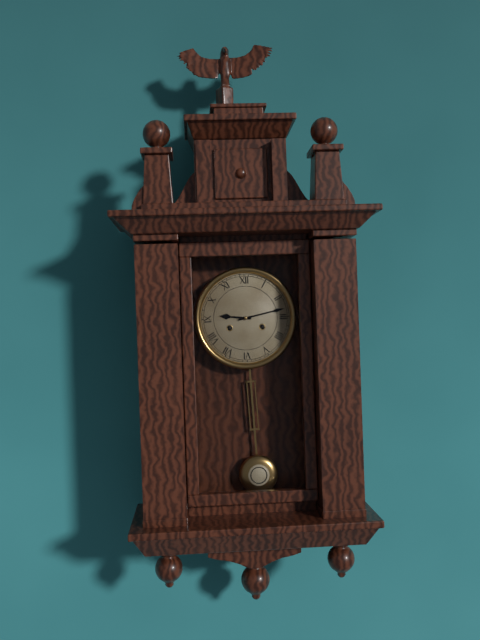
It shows h=9 m=13
